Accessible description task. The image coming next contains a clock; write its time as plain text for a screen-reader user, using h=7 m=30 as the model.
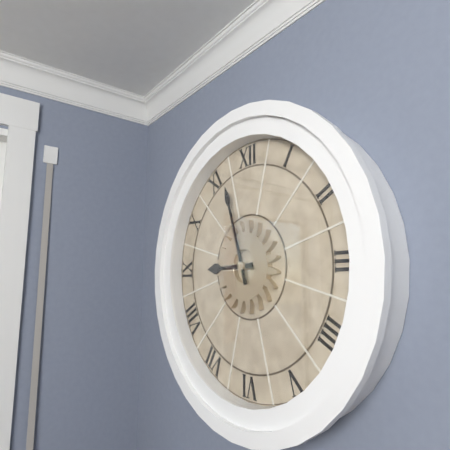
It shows h=8 m=57
